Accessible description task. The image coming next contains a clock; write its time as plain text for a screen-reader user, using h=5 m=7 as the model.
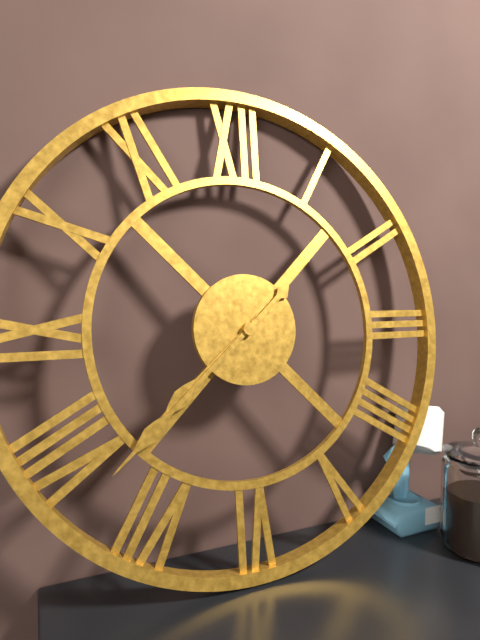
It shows h=7 m=38
